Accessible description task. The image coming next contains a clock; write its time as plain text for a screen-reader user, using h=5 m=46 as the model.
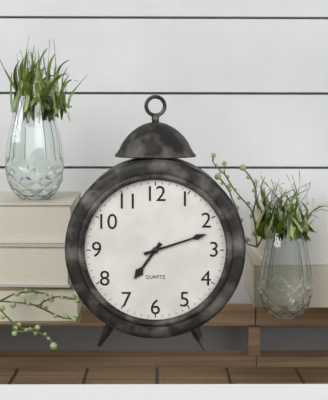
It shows h=7 m=12
